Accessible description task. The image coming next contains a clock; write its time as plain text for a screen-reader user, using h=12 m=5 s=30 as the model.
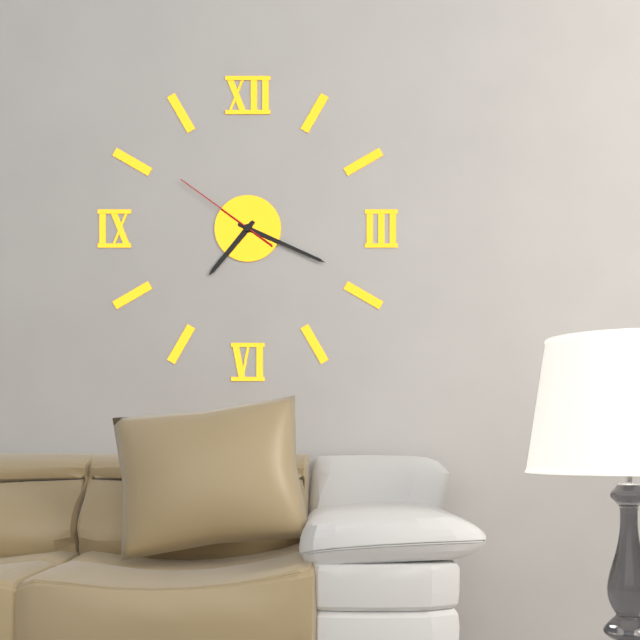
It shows h=7 m=19 s=51
